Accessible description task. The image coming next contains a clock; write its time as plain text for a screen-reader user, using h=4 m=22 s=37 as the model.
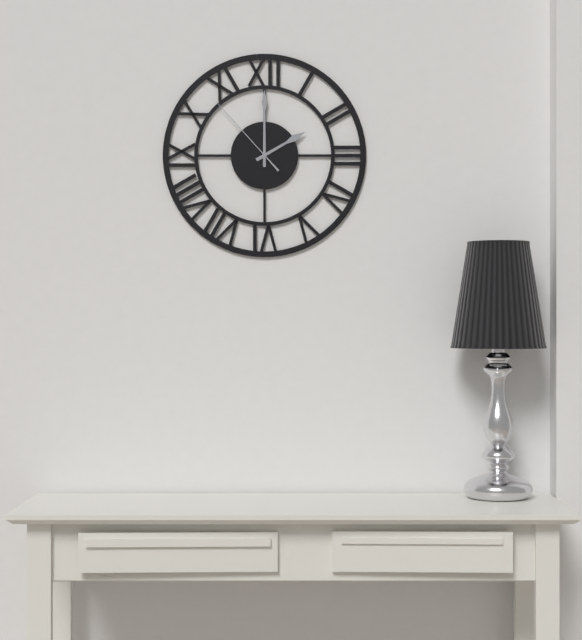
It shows h=2 m=0 s=53
